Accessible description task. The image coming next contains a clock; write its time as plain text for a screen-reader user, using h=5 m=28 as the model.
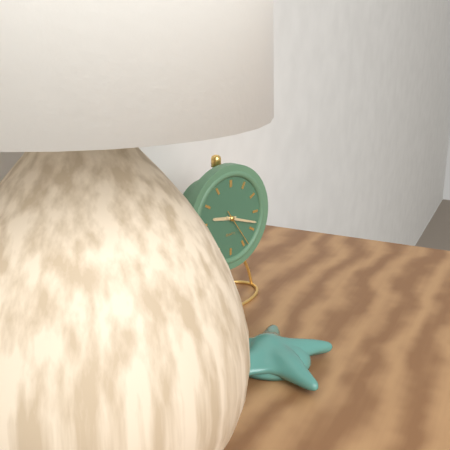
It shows h=9 m=18
